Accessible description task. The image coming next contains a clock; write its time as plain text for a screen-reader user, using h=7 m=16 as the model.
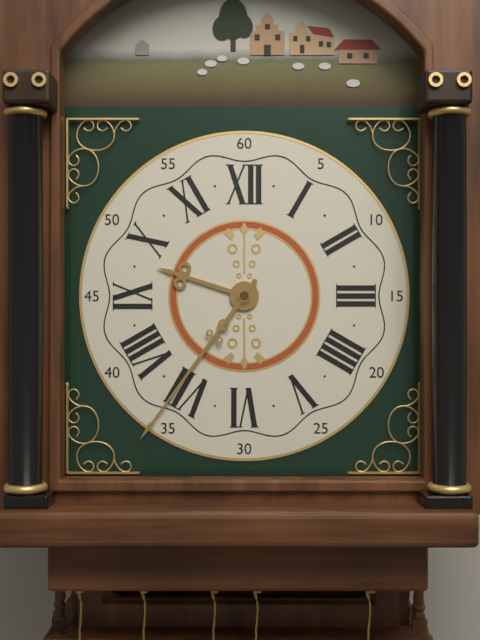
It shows h=9 m=36
